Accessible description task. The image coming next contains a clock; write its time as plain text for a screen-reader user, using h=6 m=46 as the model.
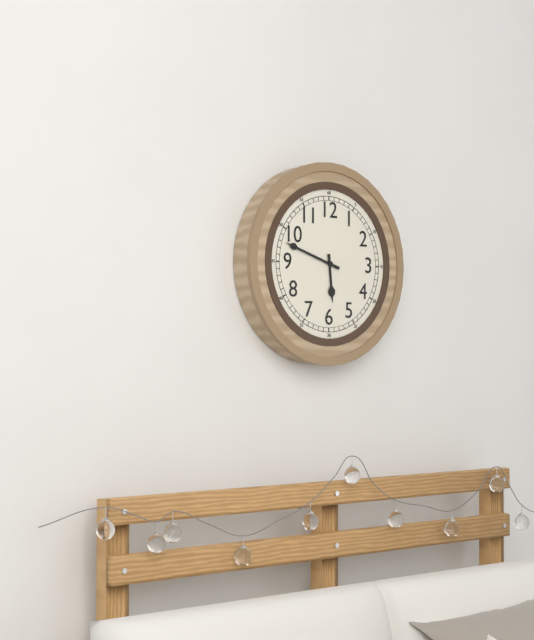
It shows h=5 m=48
